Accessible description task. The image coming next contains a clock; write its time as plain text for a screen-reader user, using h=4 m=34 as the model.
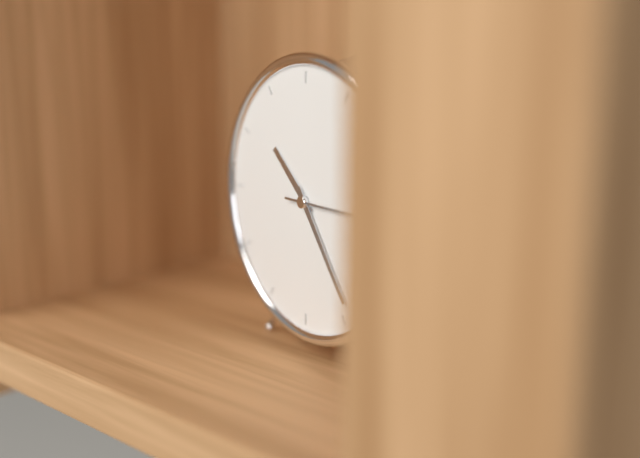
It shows h=10 m=24
